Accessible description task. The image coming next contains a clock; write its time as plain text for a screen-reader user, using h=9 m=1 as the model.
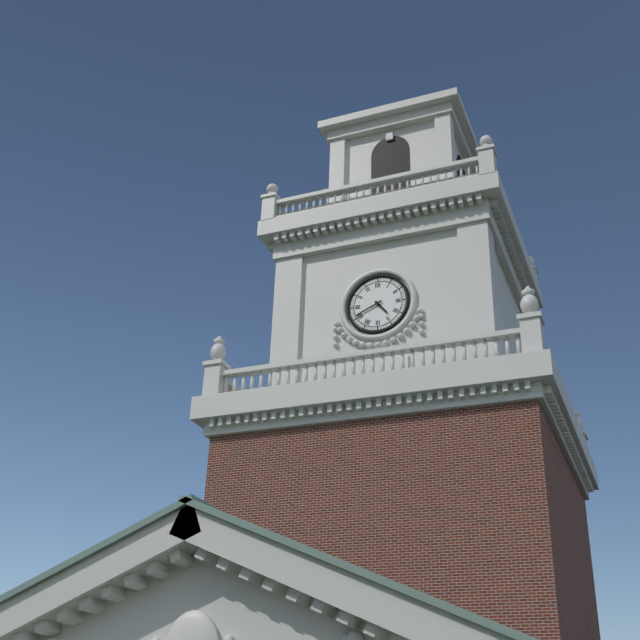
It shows h=4 m=41
